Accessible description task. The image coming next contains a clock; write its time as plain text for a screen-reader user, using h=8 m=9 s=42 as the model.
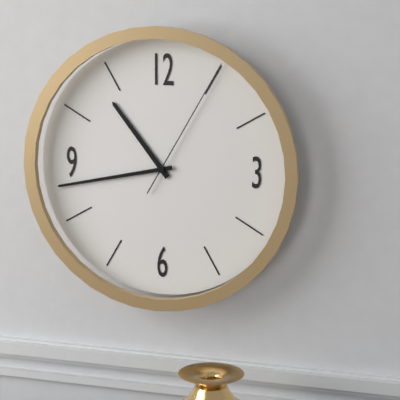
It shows h=10 m=43 s=5
